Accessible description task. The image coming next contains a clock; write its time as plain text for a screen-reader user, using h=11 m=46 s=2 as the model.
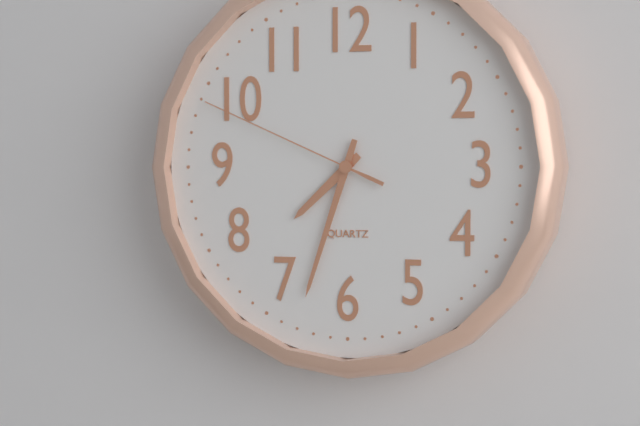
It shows h=7 m=33 s=49
